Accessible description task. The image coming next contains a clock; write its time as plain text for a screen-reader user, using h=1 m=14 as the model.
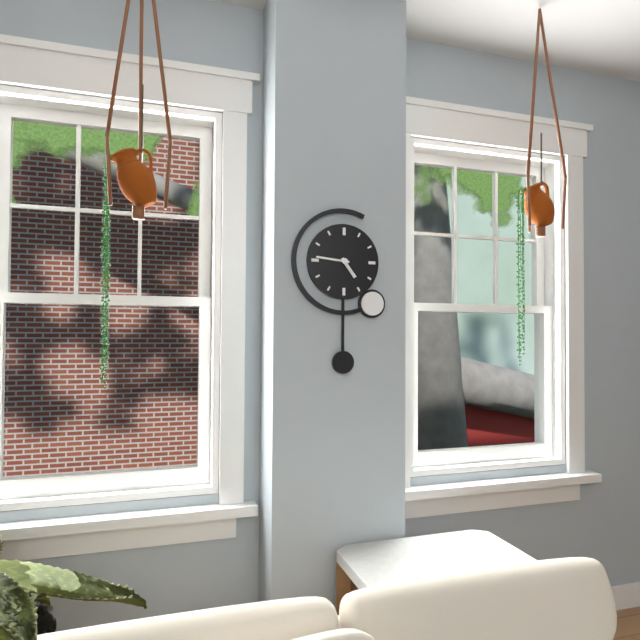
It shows h=4 m=46
